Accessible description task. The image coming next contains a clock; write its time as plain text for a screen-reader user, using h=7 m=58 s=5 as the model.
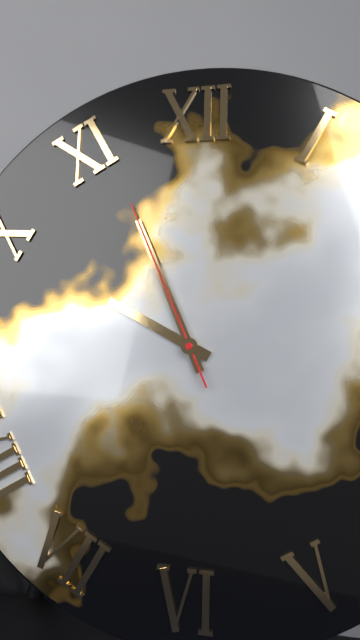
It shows h=9 m=56 s=56
